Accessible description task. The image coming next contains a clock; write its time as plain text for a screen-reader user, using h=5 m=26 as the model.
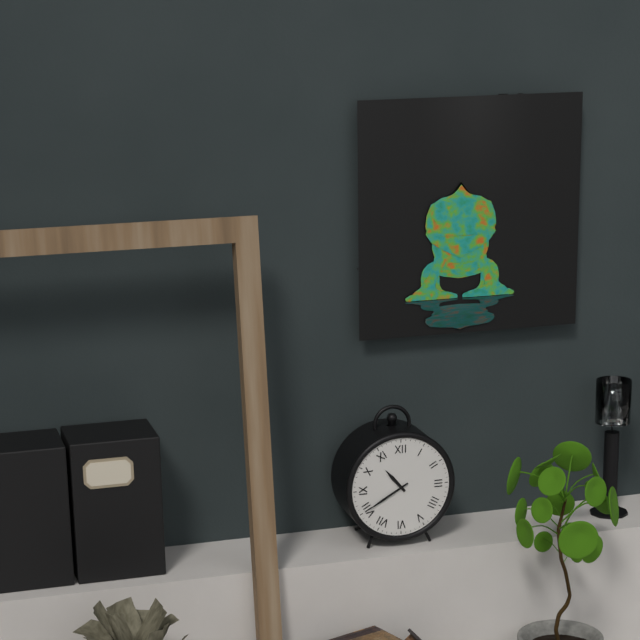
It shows h=10 m=40
